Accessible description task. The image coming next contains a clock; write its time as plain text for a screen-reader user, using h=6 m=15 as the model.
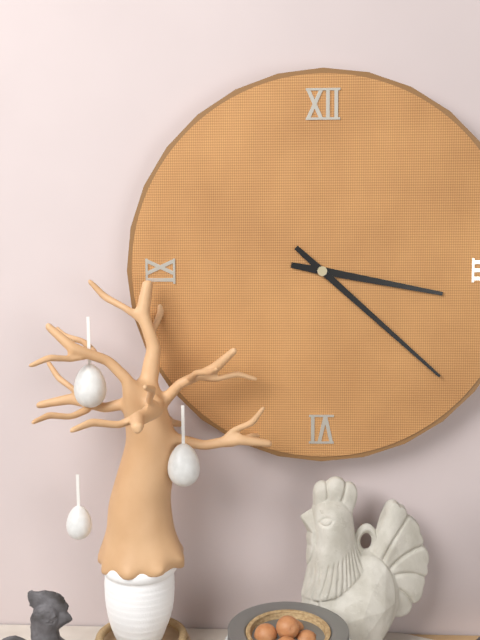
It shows h=3 m=22
